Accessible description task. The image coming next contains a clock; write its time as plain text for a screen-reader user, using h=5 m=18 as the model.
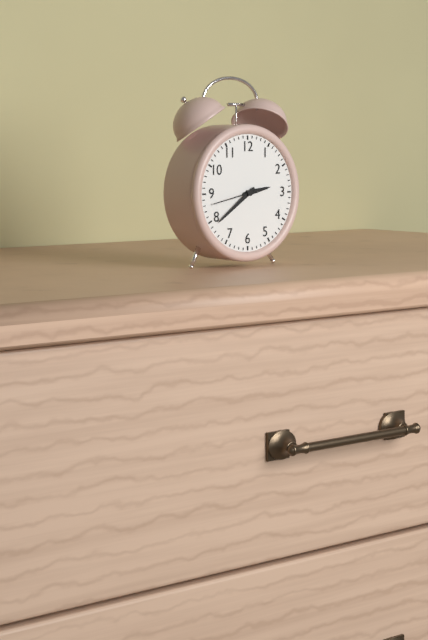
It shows h=2 m=39
